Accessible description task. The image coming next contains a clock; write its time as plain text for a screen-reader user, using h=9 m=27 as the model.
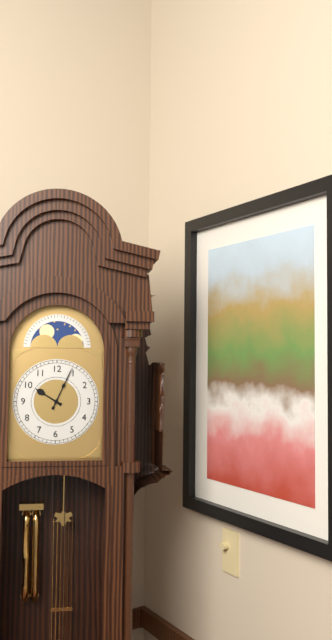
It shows h=10 m=4
